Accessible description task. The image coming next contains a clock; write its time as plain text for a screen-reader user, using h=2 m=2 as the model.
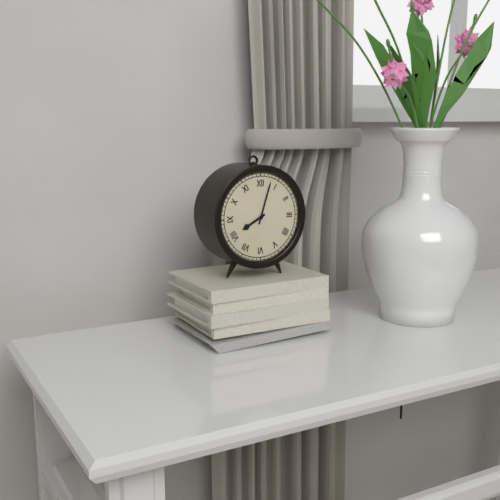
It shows h=8 m=3
